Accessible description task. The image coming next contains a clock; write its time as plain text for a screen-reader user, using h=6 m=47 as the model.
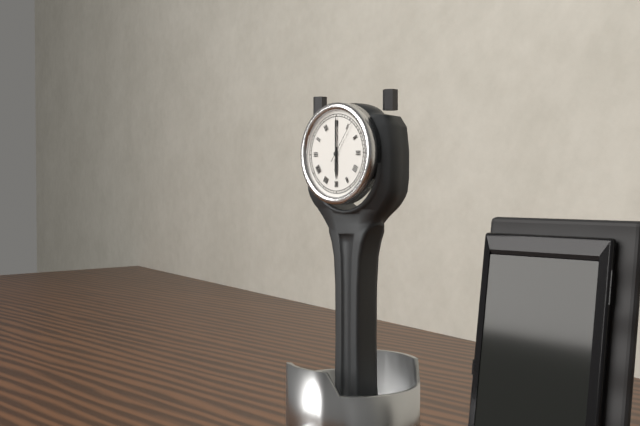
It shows h=6 m=0
